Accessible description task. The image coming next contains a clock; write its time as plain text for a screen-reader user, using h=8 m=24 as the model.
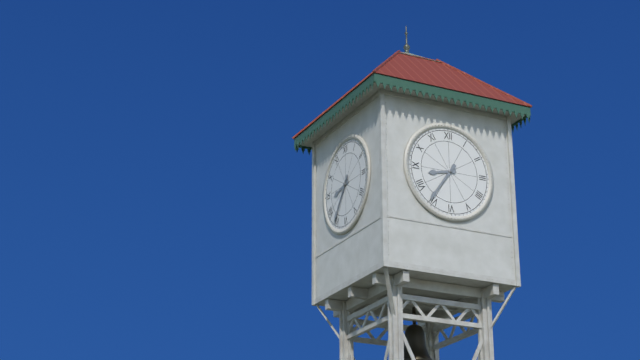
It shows h=8 m=36
